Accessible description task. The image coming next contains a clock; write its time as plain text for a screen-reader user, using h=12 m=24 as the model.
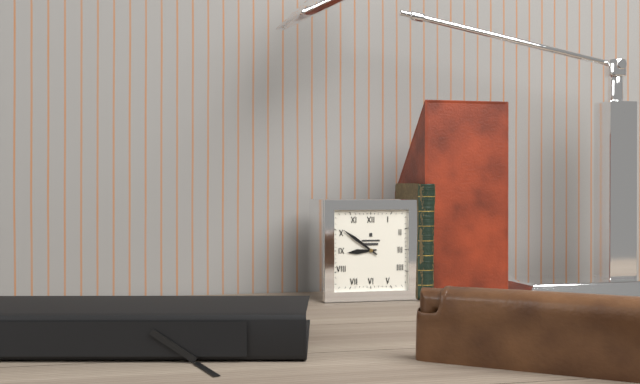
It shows h=8 m=51
